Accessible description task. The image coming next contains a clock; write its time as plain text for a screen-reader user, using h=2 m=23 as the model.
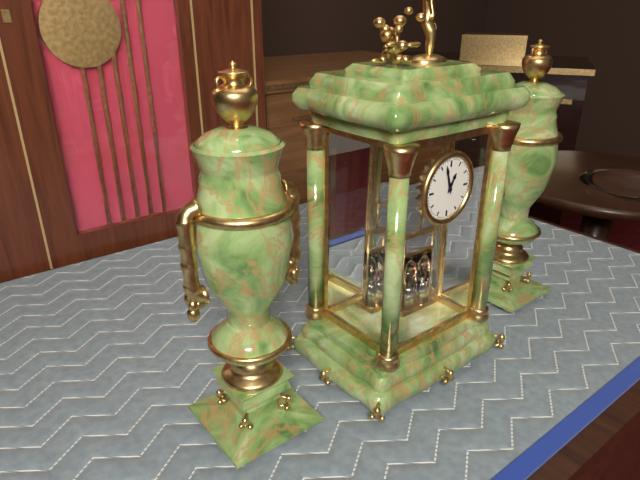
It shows h=12 m=57
